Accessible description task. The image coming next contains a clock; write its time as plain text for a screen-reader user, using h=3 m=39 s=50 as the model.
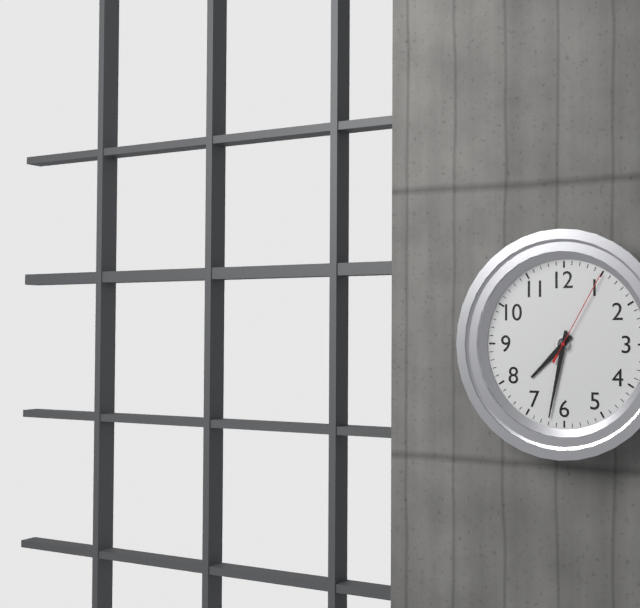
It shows h=7 m=32 s=5
